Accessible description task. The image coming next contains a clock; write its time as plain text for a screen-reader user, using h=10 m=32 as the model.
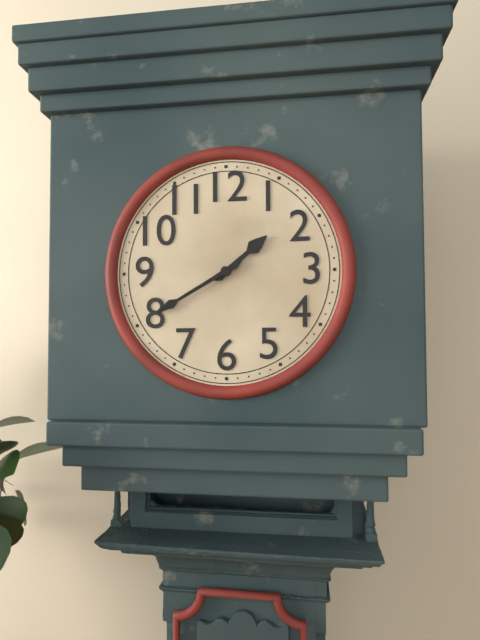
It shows h=1 m=40
